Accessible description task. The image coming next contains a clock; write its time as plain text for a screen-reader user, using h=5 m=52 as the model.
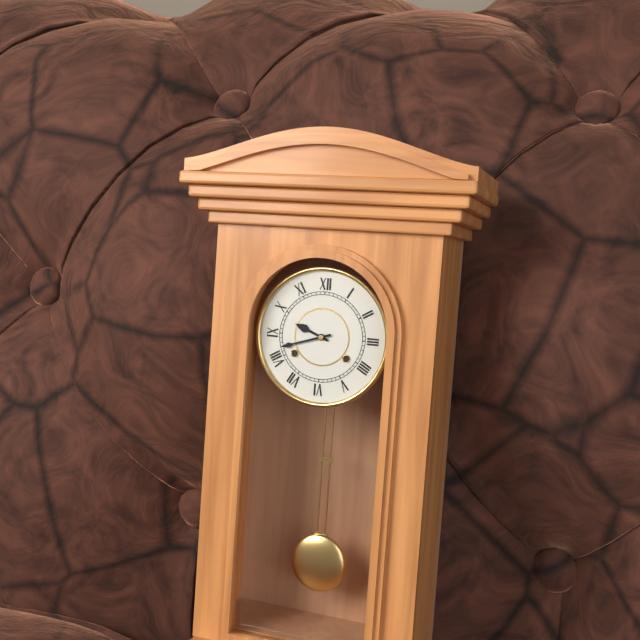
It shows h=9 m=42
